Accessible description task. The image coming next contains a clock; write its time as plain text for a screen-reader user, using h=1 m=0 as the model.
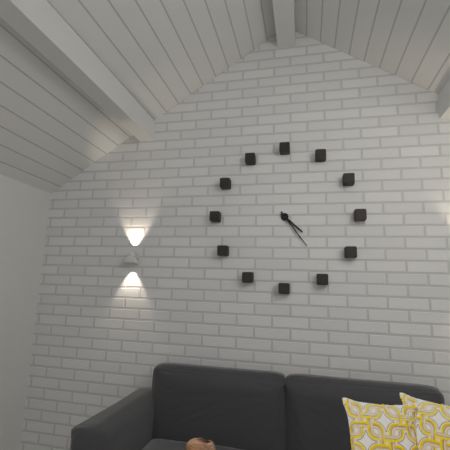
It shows h=4 m=24
